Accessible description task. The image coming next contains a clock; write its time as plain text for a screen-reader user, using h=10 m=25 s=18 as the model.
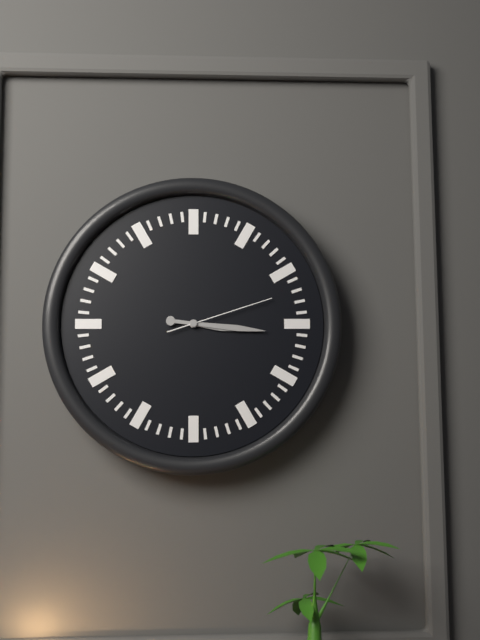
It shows h=3 m=16 s=12
